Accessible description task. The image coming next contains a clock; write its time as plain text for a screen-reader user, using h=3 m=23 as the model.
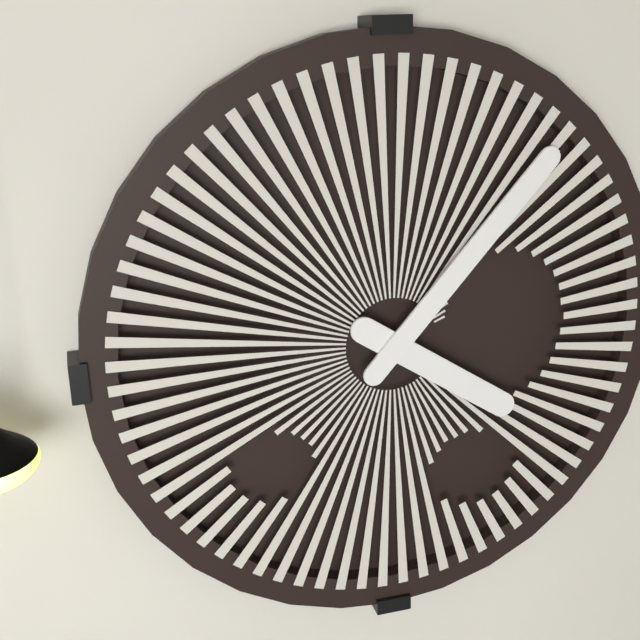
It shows h=4 m=7
